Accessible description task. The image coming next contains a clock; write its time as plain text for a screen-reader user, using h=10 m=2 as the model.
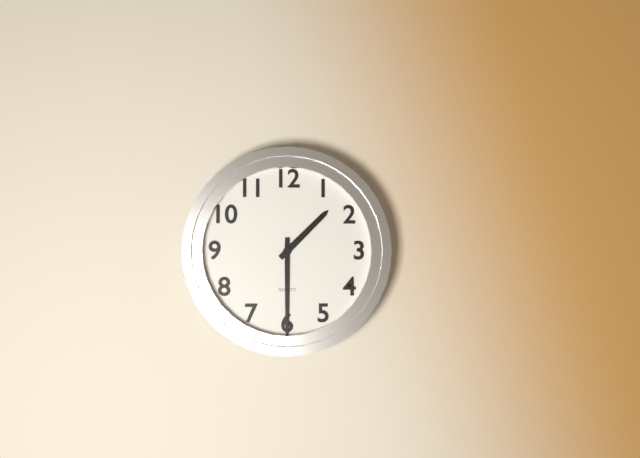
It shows h=1 m=30
